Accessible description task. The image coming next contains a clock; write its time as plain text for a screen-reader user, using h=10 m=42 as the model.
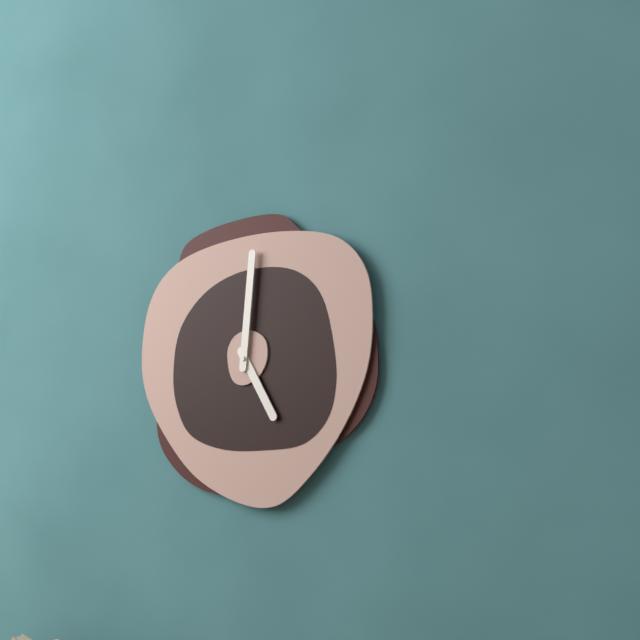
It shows h=5 m=1
